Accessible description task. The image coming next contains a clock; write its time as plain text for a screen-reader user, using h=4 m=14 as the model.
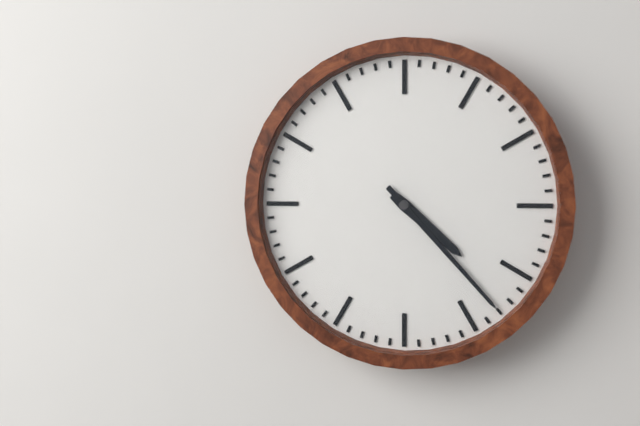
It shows h=4 m=23
